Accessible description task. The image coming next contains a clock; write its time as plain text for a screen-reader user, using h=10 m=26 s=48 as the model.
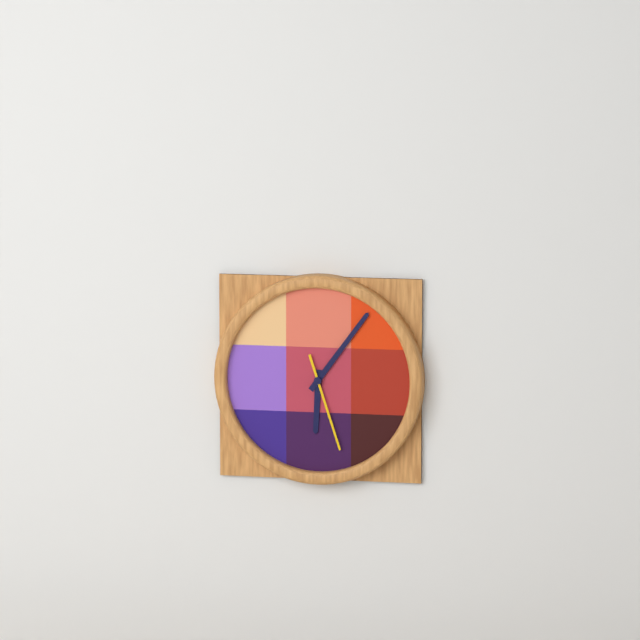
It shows h=6 m=6 s=27
